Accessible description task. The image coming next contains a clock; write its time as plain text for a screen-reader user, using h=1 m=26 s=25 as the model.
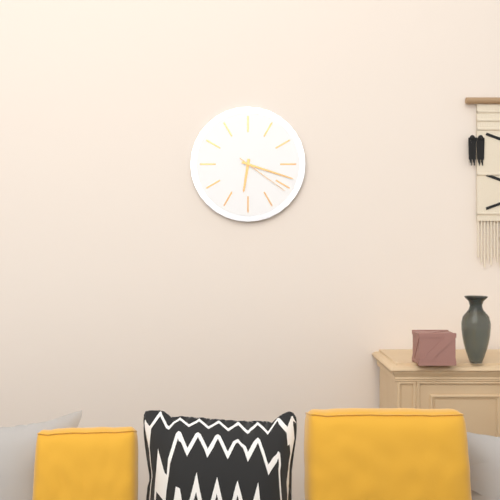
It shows h=6 m=18 s=21
